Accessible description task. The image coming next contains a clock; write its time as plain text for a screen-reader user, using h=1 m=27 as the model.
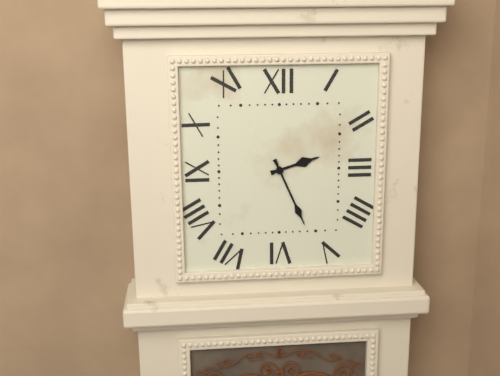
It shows h=2 m=26
